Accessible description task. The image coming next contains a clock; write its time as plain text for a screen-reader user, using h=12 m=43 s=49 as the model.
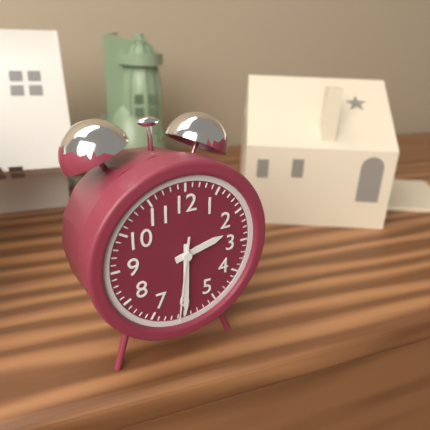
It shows h=2 m=30 s=31
